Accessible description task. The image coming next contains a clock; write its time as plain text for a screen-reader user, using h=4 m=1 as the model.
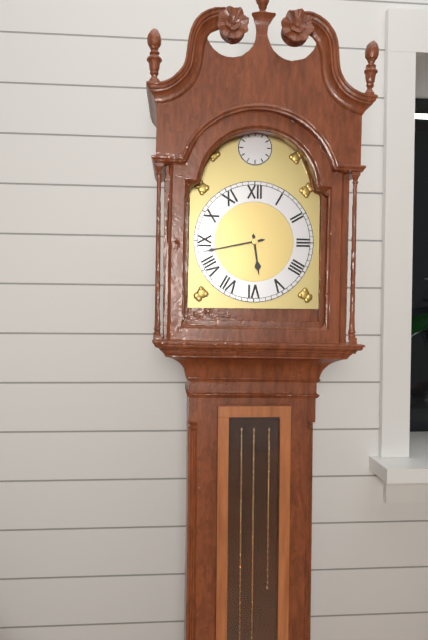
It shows h=5 m=43
